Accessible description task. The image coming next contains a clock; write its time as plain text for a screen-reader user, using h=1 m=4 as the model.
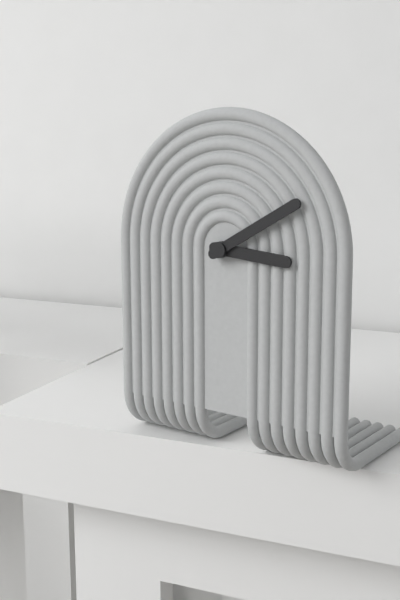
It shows h=3 m=10
